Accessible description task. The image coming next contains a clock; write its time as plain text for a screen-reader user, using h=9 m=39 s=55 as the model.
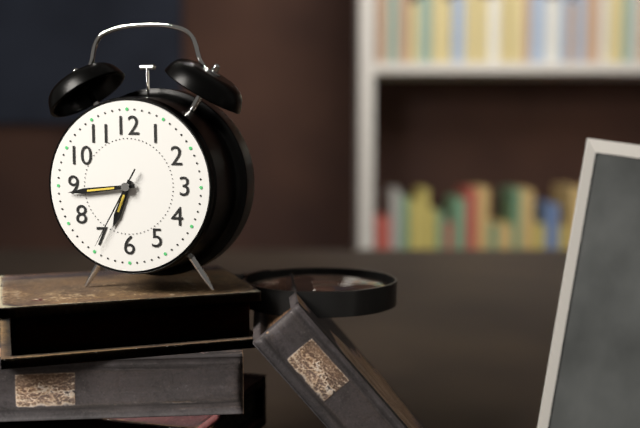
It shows h=6 m=44 s=35
